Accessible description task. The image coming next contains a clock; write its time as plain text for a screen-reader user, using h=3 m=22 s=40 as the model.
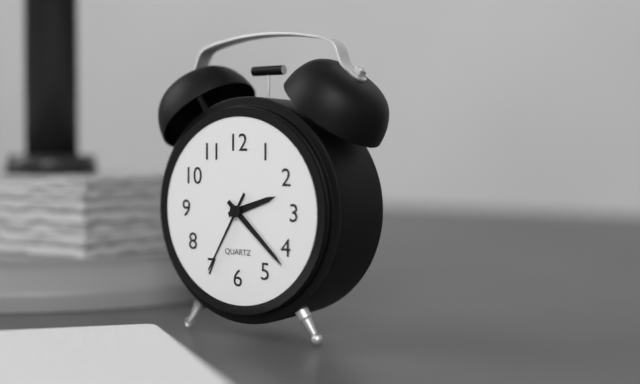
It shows h=2 m=22 s=35
